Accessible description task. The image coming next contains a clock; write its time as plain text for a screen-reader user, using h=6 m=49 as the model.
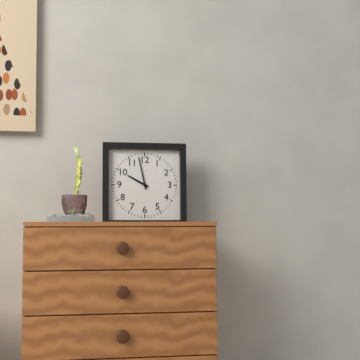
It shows h=9 m=58
